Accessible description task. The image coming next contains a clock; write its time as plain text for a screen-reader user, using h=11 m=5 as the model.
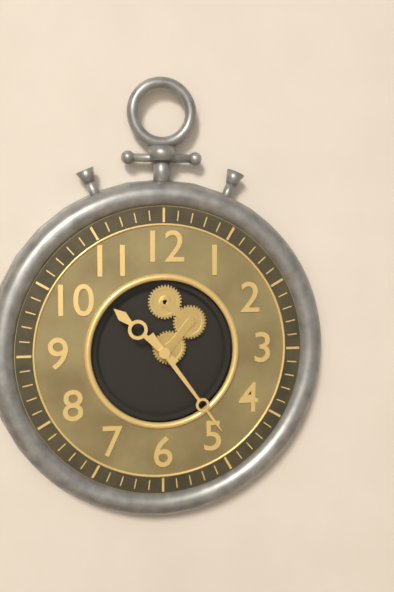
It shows h=10 m=24
